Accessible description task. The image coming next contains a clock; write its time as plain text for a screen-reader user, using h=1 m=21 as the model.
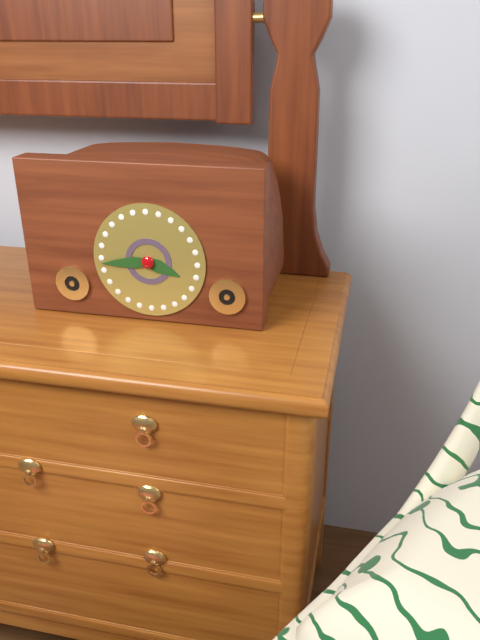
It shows h=3 m=44
